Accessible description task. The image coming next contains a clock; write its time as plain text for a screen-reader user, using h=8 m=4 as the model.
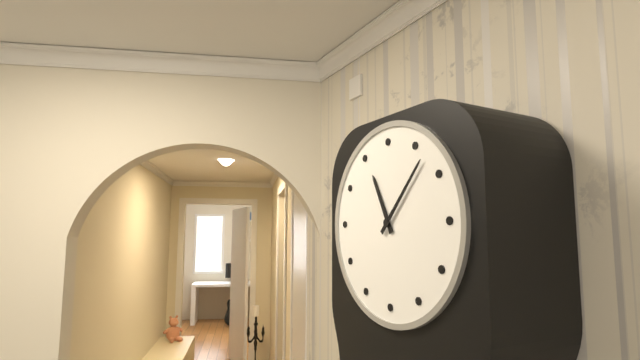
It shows h=11 m=7
